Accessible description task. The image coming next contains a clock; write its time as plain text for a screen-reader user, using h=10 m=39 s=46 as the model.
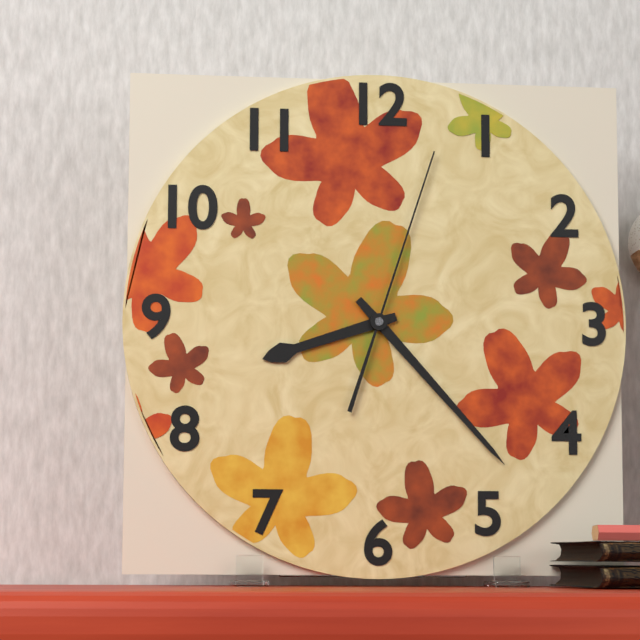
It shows h=8 m=23 s=3
